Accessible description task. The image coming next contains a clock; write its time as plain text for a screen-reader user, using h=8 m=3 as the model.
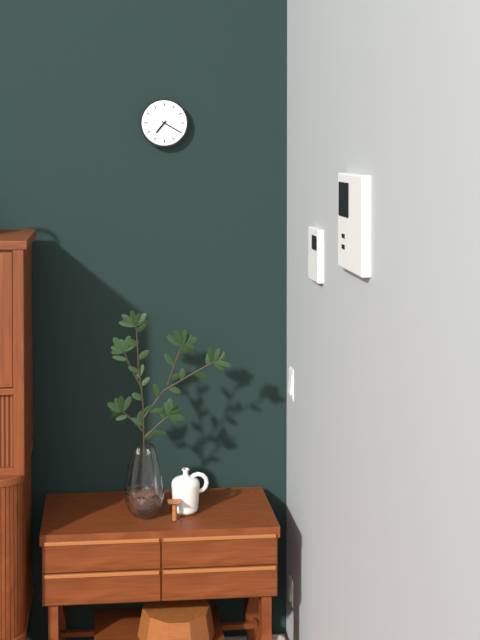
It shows h=7 m=20
